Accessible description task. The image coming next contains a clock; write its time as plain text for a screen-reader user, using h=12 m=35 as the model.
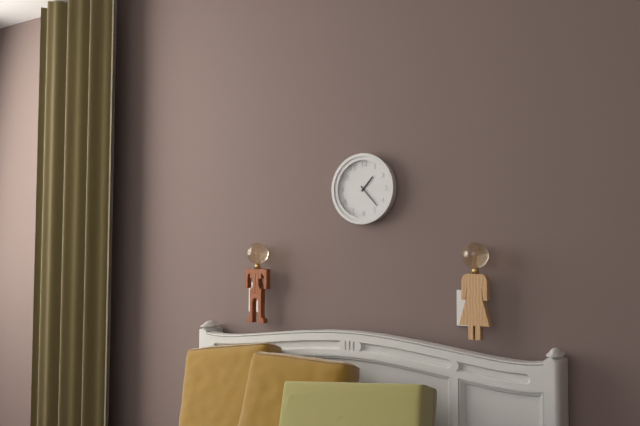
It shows h=1 m=23
